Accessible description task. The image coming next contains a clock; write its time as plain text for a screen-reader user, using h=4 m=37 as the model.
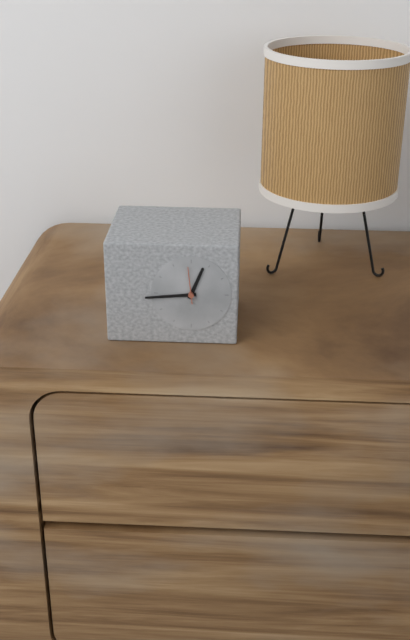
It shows h=12 m=44
